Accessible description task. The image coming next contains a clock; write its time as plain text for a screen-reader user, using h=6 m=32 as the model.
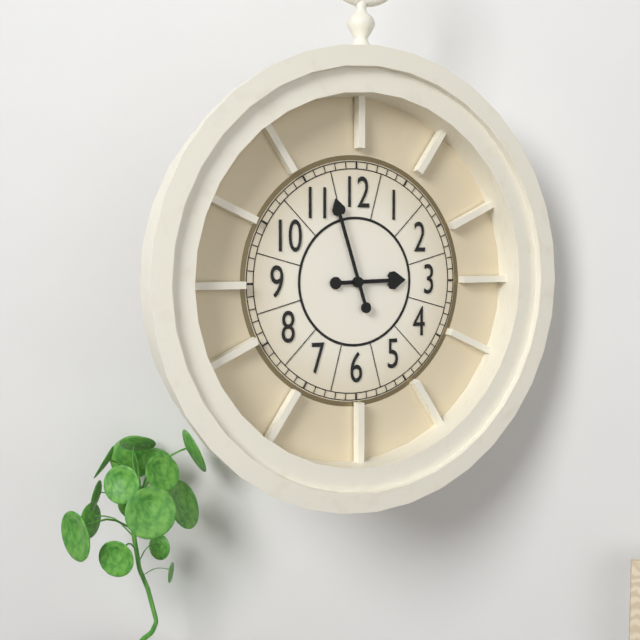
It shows h=2 m=57
